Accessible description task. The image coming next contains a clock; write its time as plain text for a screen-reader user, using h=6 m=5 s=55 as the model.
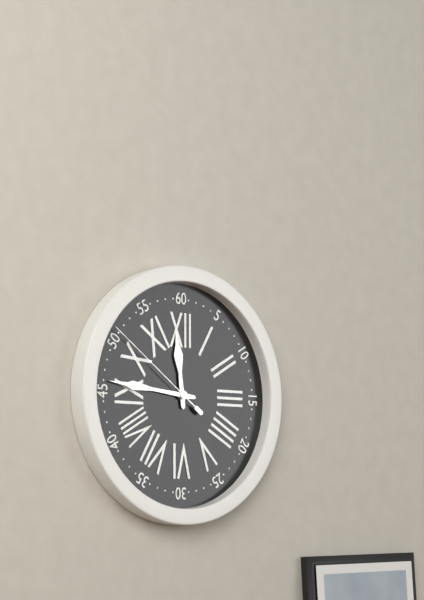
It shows h=11 m=46 s=51
